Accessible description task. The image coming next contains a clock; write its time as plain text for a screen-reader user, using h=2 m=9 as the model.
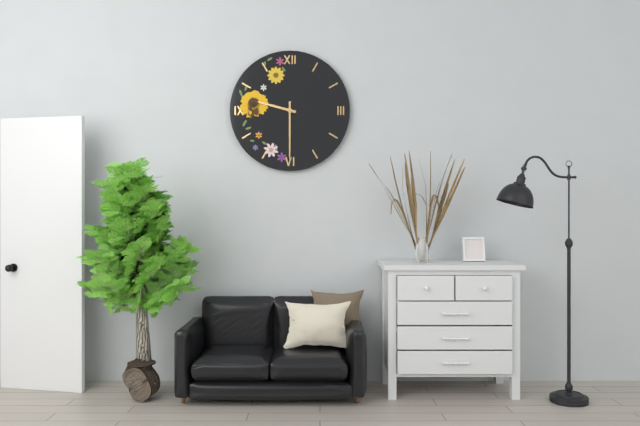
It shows h=9 m=30
